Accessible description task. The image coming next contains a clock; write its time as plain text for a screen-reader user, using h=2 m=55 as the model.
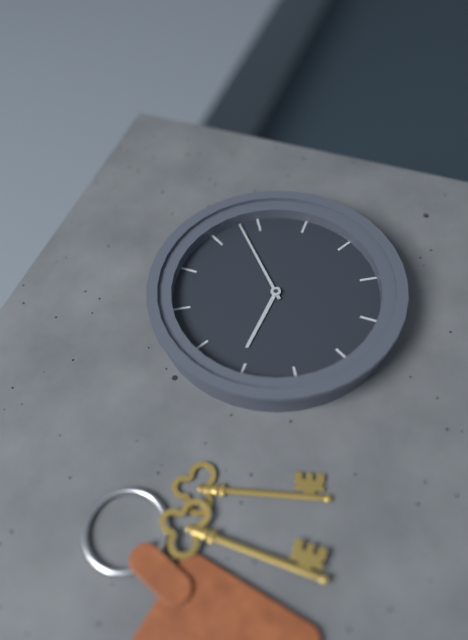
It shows h=9 m=8
